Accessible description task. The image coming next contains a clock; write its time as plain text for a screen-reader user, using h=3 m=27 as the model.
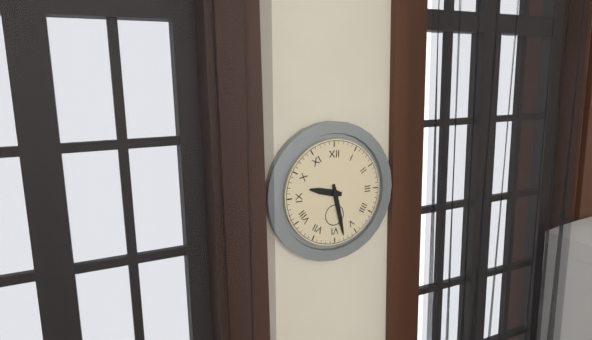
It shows h=9 m=28
